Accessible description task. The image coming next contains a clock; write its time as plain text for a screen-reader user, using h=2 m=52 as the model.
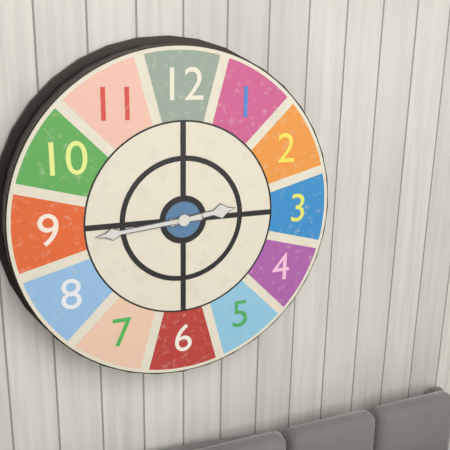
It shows h=2 m=44
